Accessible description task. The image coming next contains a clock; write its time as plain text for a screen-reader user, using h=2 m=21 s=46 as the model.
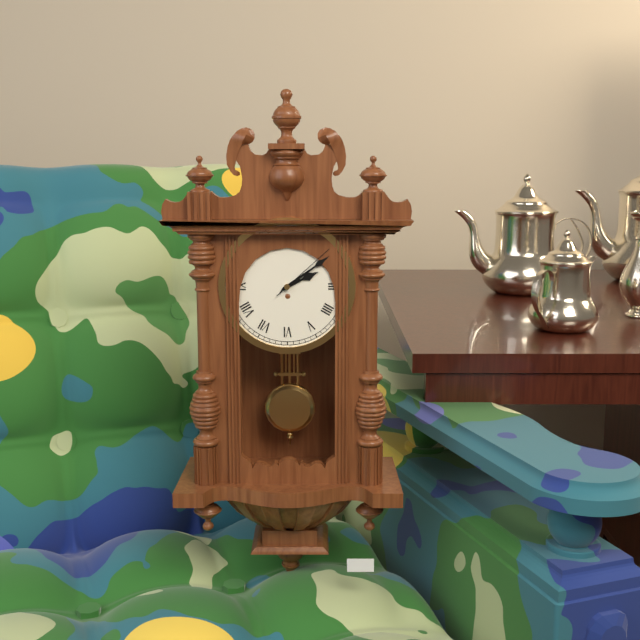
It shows h=2 m=9 s=8
